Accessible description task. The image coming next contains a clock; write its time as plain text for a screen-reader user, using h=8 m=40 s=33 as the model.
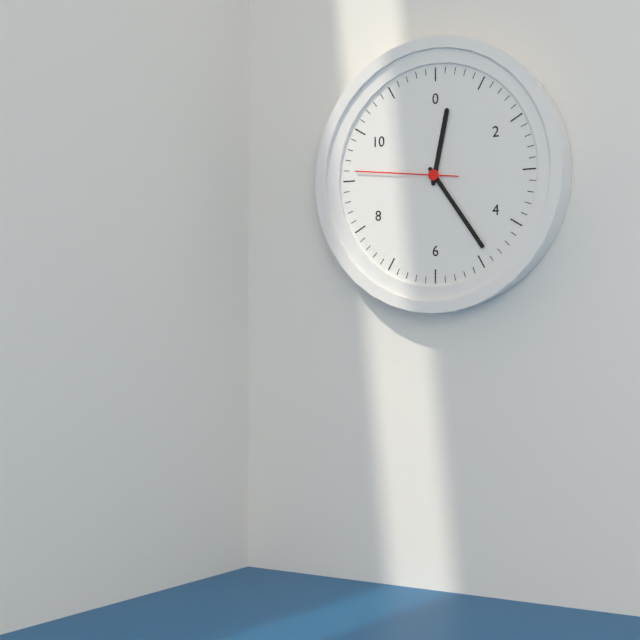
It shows h=12 m=24 s=46
